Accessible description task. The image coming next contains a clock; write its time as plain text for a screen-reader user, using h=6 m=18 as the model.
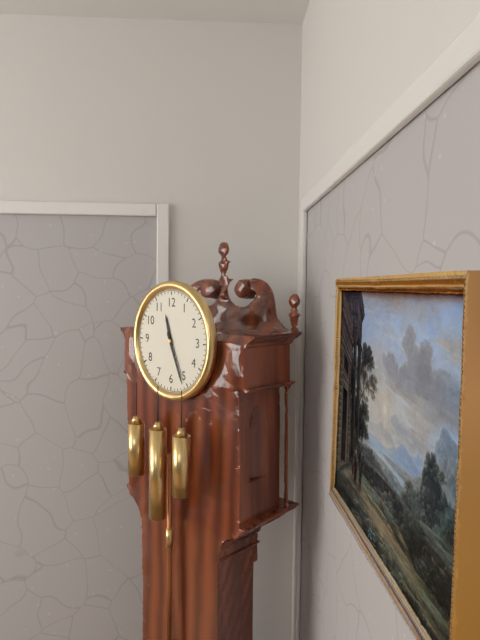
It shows h=11 m=26
